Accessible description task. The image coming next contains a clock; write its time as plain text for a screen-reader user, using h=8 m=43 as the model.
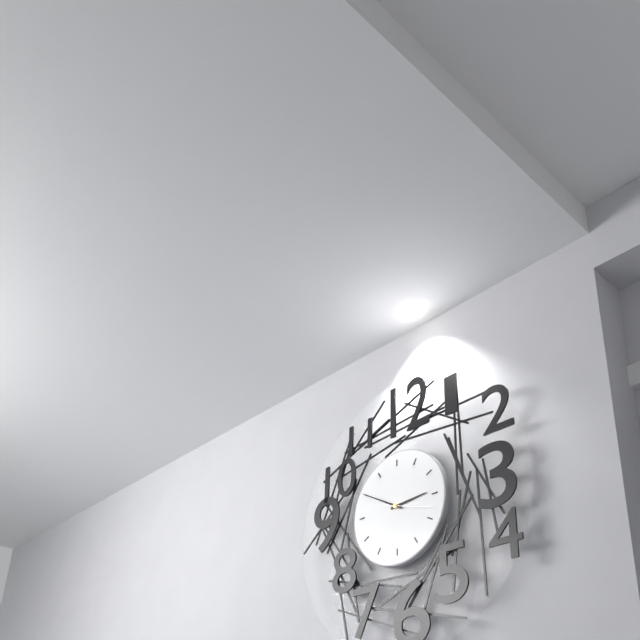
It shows h=2 m=50
